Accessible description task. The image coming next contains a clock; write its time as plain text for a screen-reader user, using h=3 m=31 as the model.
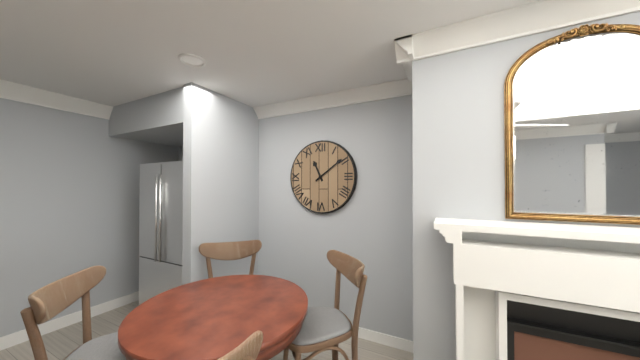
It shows h=11 m=9
